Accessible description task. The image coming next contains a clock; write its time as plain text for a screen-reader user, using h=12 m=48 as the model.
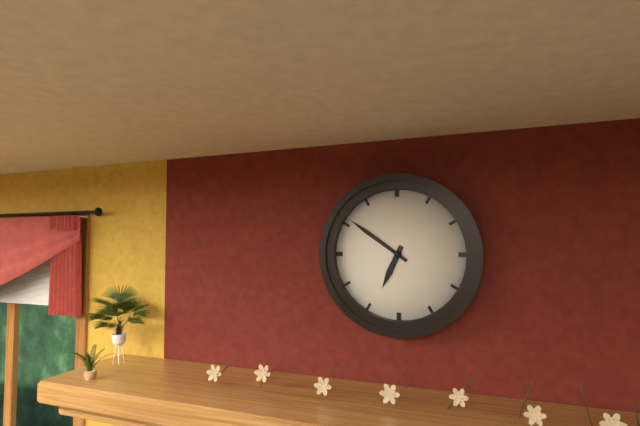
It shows h=6 m=51
